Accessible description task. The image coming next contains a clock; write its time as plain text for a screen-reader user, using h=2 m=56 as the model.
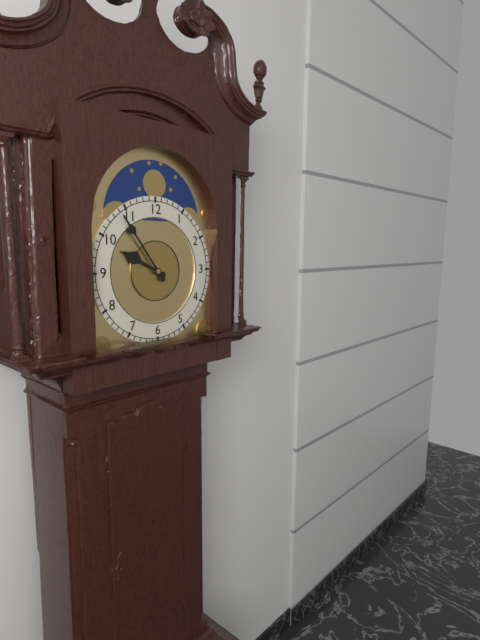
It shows h=9 m=54
